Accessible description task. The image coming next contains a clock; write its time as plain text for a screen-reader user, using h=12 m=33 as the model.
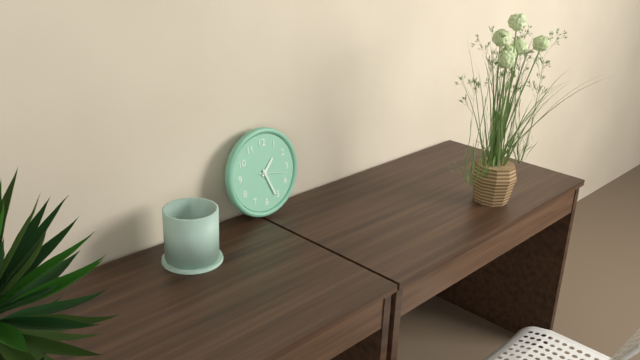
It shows h=1 m=26
